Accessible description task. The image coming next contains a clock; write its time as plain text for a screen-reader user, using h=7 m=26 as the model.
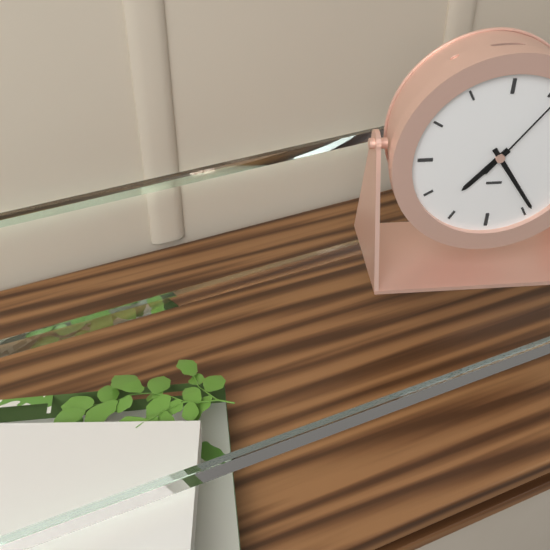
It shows h=7 m=24
